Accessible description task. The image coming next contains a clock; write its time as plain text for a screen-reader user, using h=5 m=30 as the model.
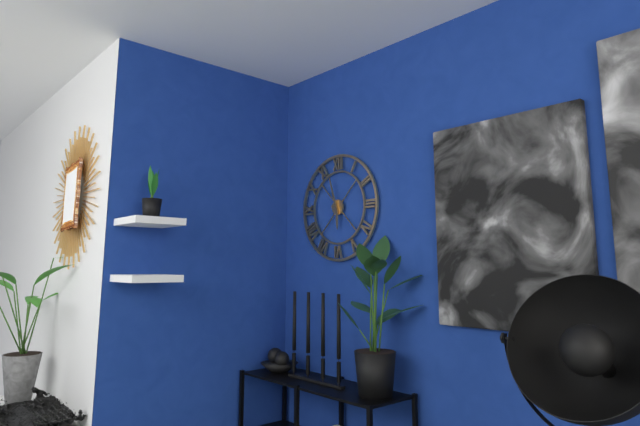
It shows h=5 m=57
